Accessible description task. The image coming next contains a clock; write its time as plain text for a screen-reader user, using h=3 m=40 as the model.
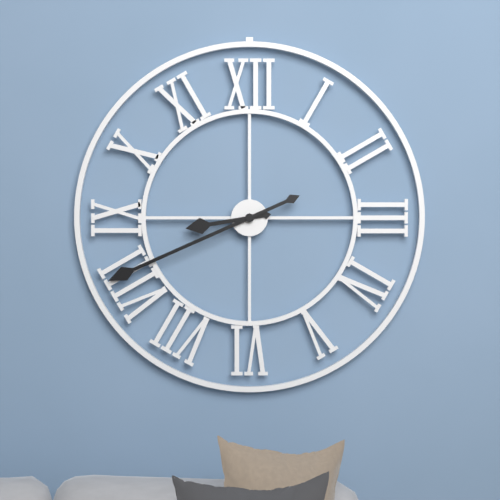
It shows h=8 m=41
